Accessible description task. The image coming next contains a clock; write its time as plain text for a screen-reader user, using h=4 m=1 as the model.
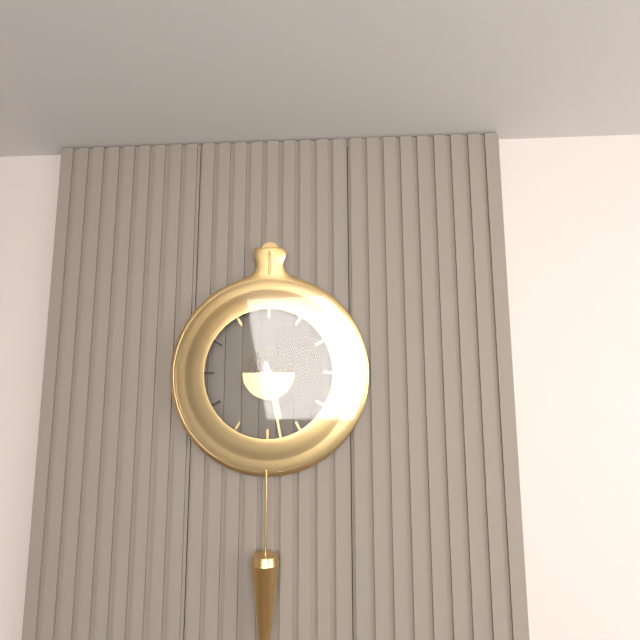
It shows h=5 m=28
